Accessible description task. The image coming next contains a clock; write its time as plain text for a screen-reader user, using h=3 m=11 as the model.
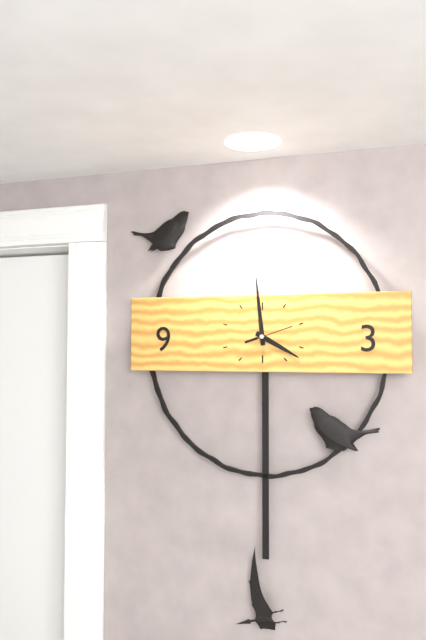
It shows h=3 m=59
